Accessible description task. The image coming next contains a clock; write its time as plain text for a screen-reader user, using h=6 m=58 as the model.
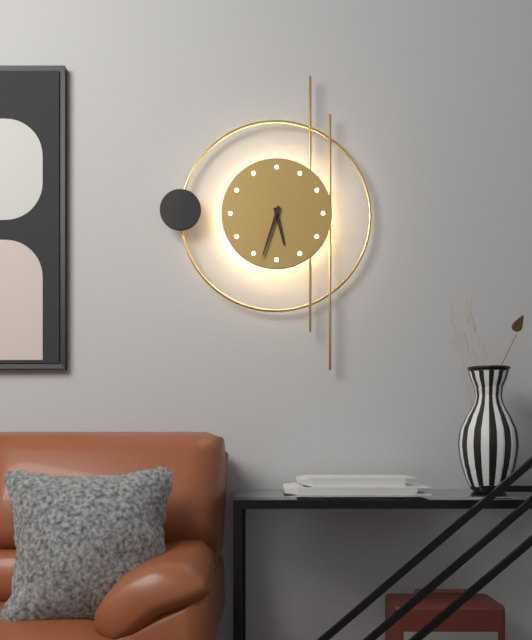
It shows h=5 m=33
